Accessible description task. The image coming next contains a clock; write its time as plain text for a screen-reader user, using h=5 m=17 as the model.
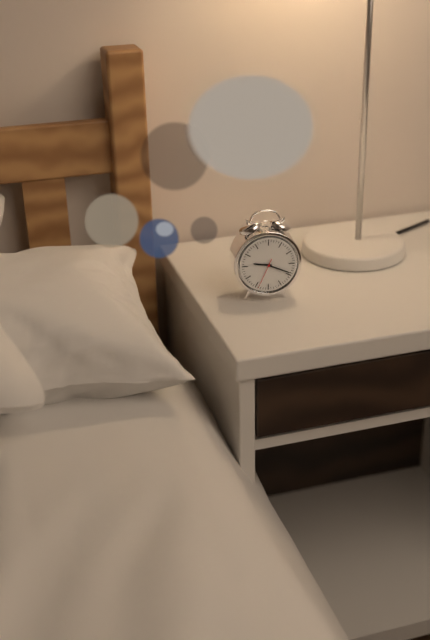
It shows h=9 m=19
